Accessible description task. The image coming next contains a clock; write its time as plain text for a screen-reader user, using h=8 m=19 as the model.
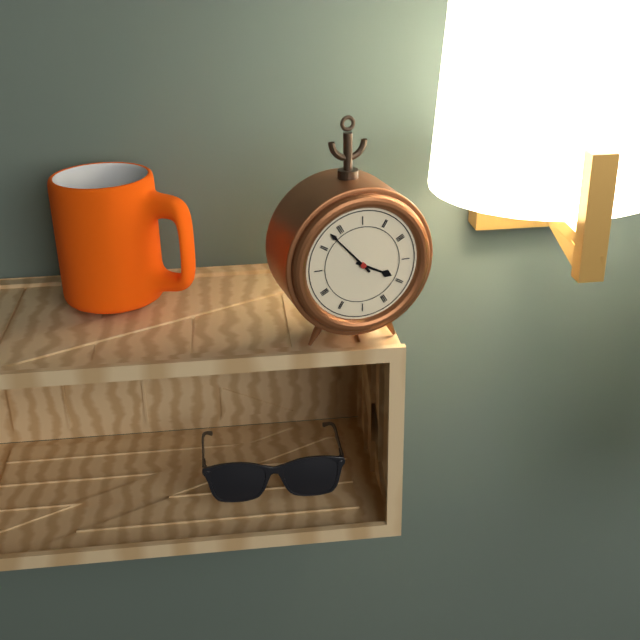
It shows h=3 m=53
